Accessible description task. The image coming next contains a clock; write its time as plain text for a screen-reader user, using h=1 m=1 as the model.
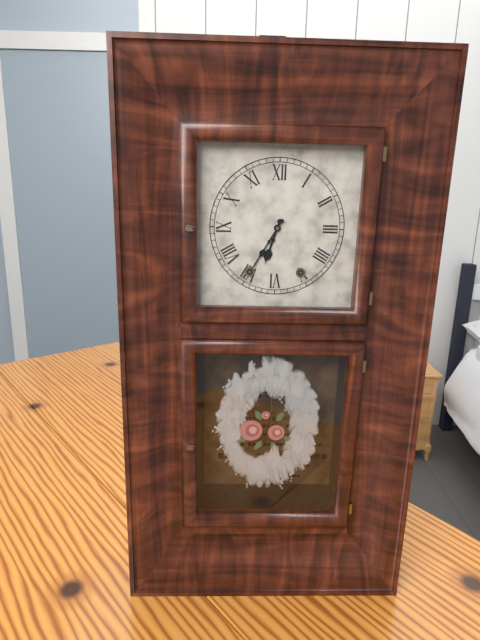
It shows h=6 m=35
